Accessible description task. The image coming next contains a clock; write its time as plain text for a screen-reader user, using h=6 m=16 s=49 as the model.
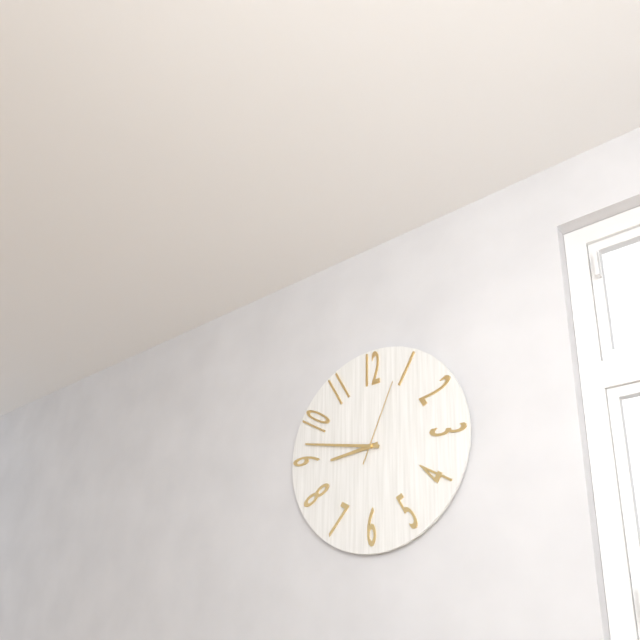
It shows h=8 m=47 s=4
